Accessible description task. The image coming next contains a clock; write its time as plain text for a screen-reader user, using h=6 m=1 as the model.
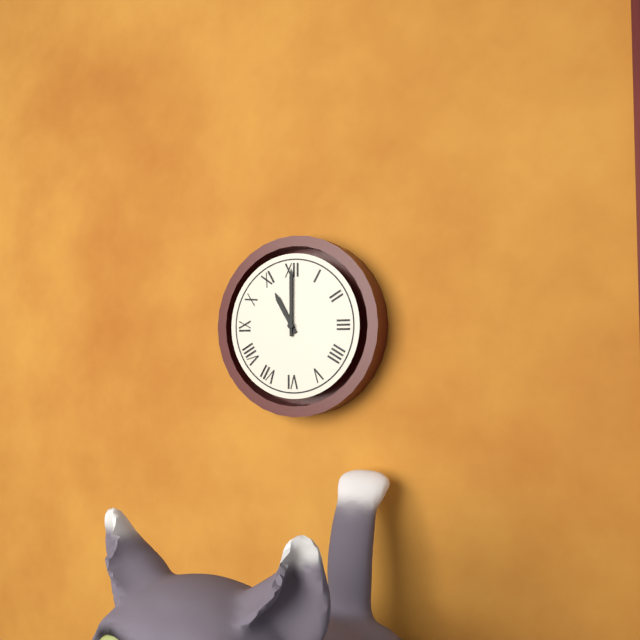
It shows h=11 m=0
